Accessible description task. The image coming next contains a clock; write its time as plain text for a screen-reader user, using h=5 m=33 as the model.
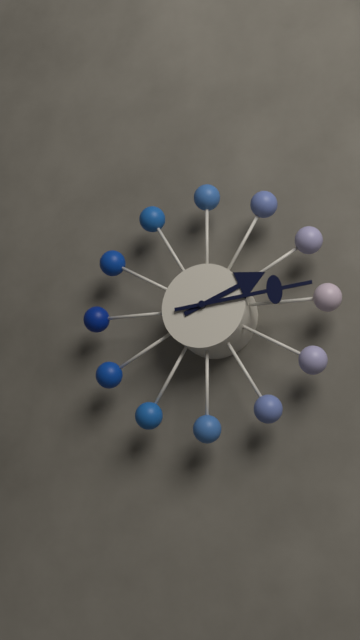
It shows h=2 m=14
